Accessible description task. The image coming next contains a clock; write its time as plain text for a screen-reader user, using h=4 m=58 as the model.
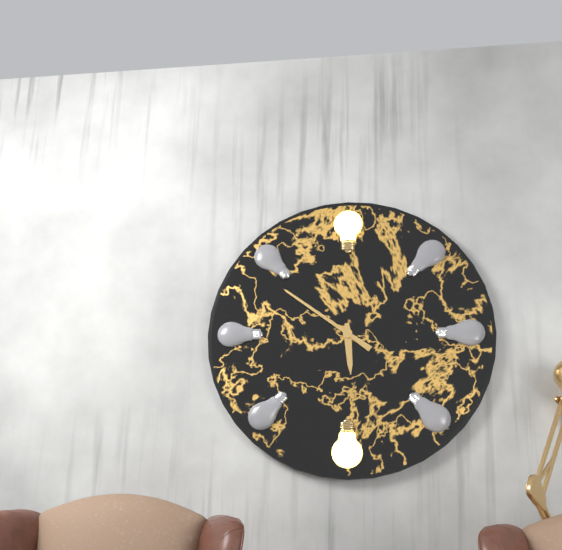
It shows h=5 m=51
